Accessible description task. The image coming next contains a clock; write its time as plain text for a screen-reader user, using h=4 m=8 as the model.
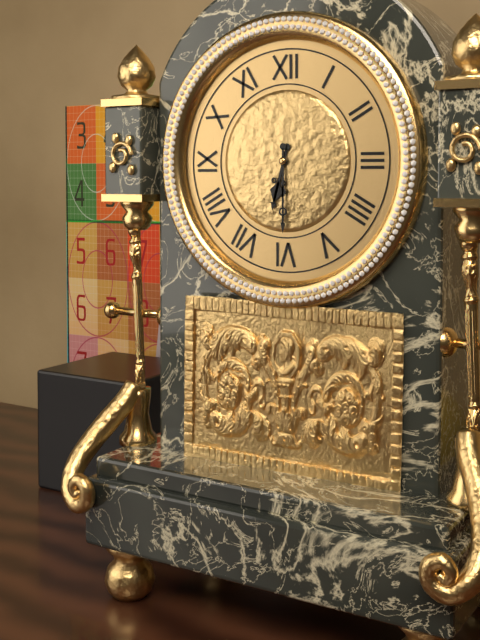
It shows h=6 m=30
